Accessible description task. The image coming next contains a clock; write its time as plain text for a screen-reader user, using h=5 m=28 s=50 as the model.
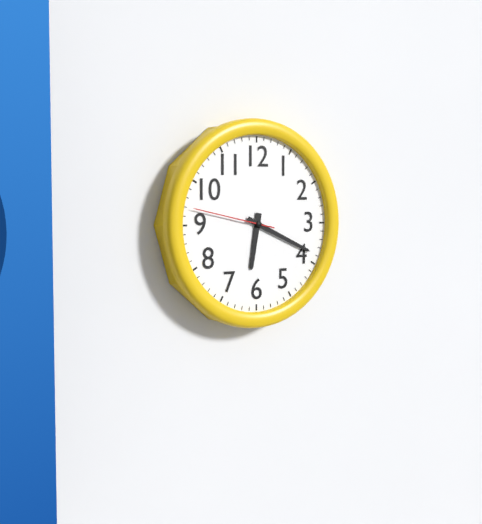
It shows h=6 m=19 s=47
